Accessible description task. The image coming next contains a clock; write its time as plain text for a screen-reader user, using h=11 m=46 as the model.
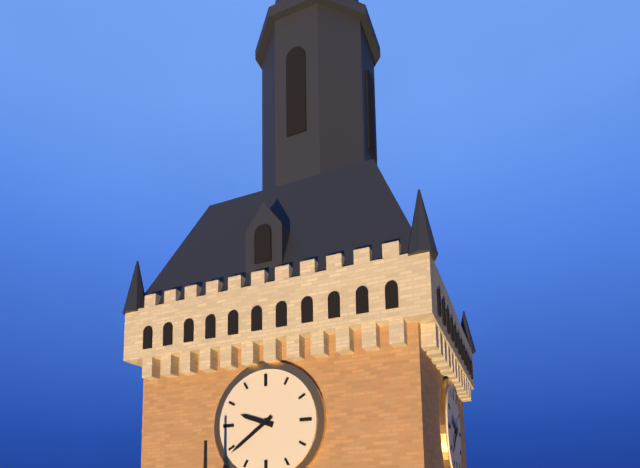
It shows h=9 m=39
